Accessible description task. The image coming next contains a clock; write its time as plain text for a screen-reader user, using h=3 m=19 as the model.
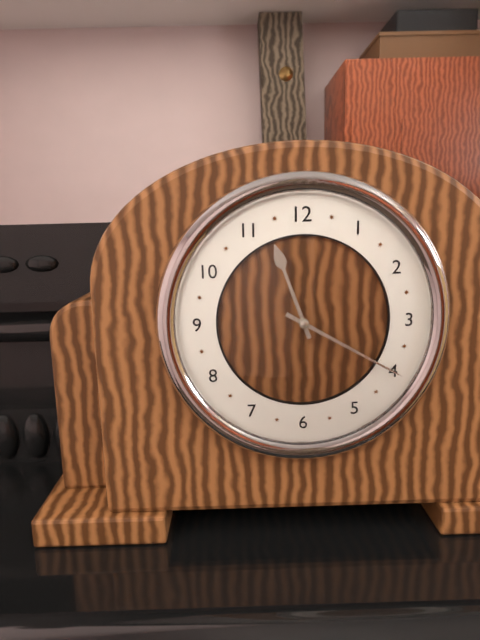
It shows h=11 m=20
